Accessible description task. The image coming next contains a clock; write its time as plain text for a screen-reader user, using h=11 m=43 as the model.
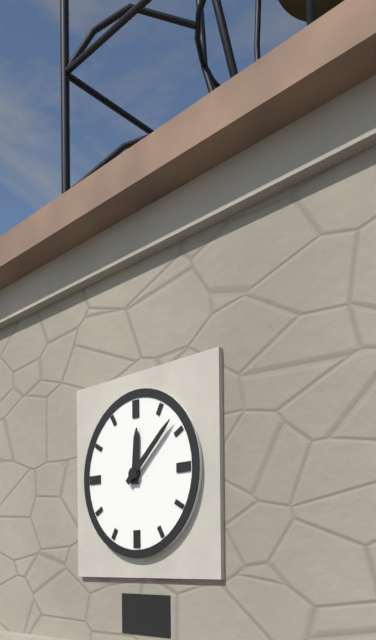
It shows h=12 m=8
